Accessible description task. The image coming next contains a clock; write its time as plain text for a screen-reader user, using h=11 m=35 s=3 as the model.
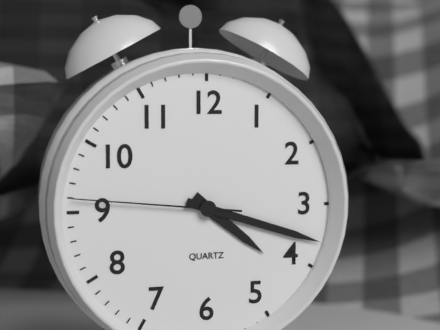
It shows h=4 m=18 s=46
